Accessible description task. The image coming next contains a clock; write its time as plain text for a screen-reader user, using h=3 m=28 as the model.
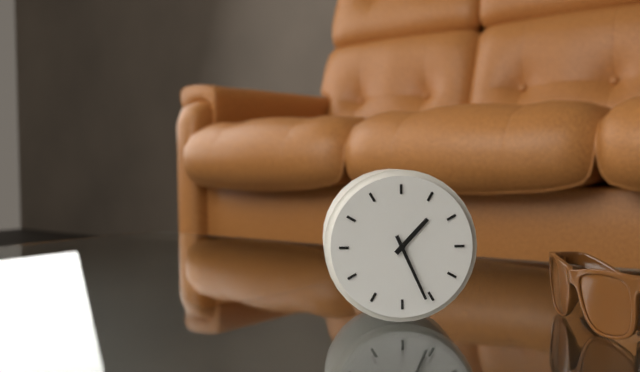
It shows h=1 m=26
